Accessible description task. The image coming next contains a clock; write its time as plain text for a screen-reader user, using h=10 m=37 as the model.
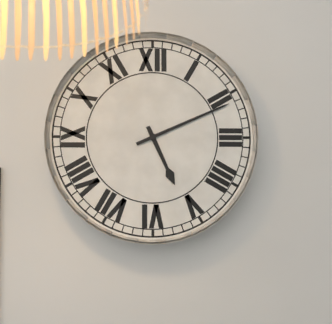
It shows h=5 m=11
